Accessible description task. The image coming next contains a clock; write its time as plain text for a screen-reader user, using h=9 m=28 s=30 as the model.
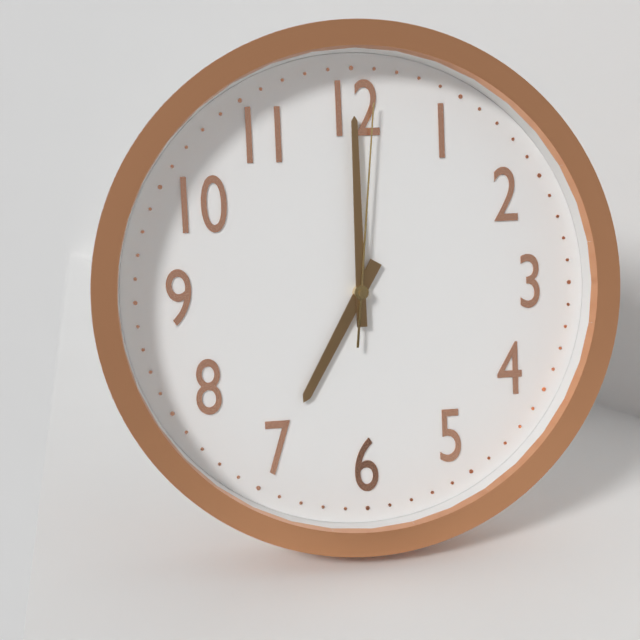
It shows h=7 m=0 s=1
